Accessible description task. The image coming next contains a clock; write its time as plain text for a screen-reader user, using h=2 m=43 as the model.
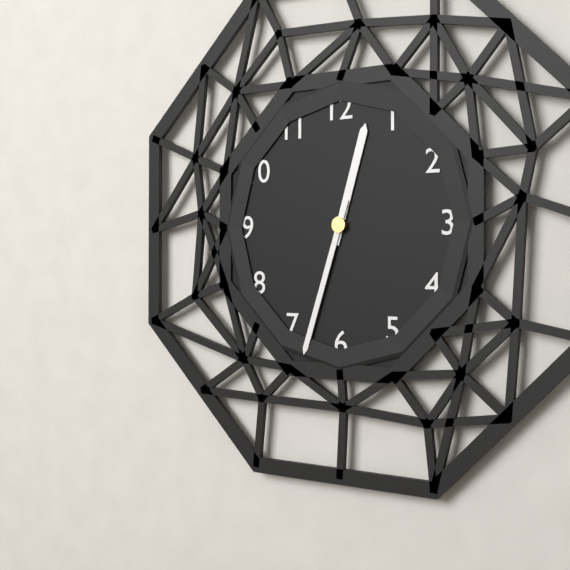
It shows h=12 m=33
